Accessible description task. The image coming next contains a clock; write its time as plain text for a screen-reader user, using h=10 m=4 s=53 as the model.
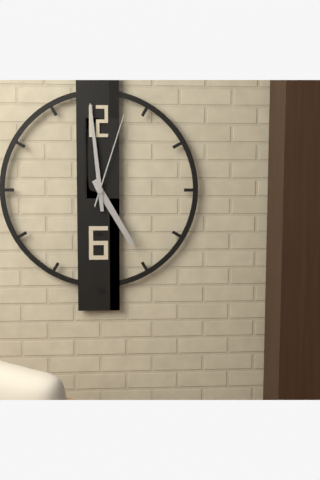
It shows h=4 m=59 s=3
